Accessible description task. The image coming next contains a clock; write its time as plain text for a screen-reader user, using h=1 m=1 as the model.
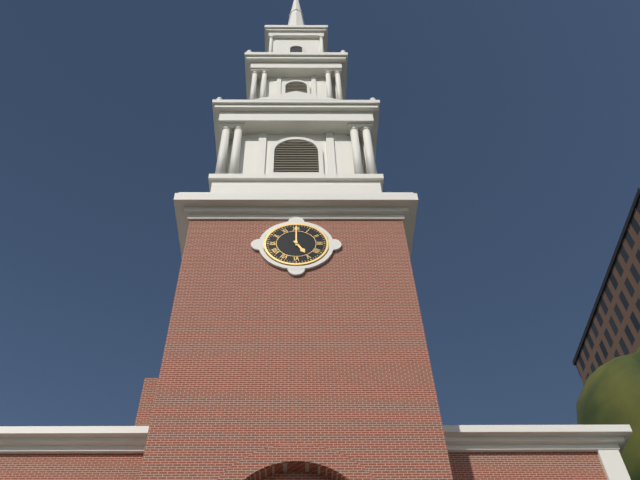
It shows h=5 m=0
